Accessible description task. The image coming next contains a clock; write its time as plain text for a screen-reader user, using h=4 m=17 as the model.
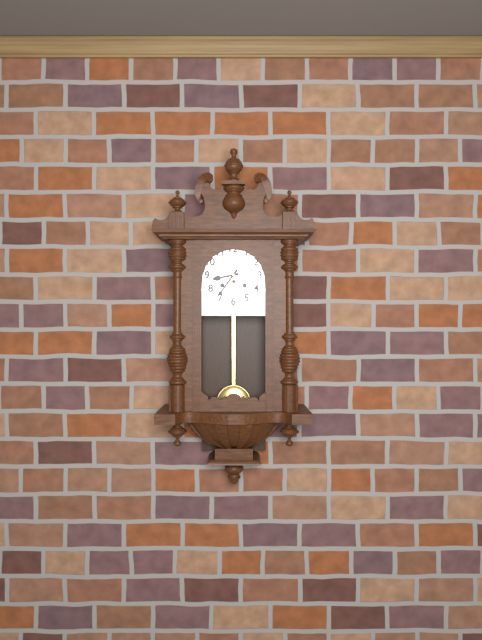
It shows h=8 m=36
